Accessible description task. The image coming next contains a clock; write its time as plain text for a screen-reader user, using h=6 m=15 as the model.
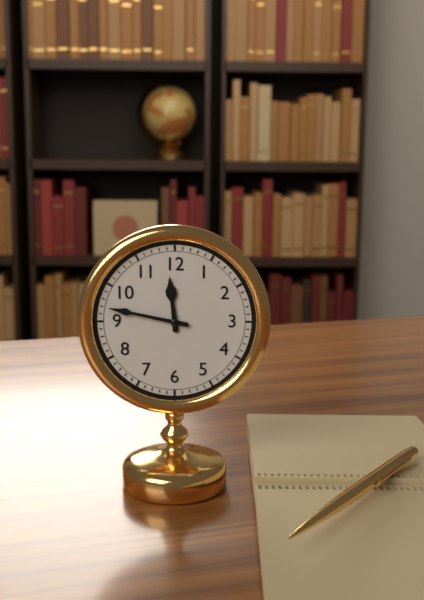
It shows h=11 m=47
